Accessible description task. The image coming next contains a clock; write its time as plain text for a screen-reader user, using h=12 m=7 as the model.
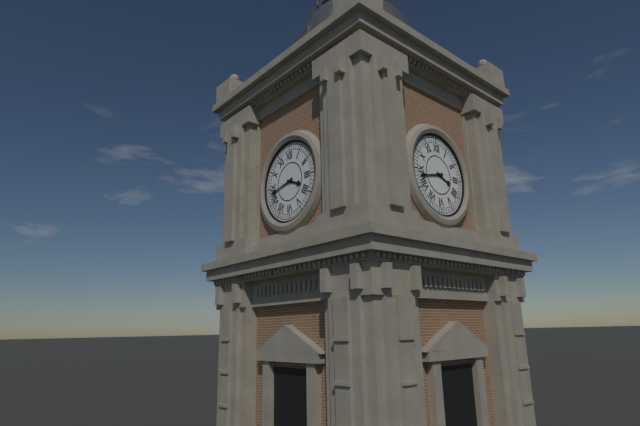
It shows h=3 m=43
